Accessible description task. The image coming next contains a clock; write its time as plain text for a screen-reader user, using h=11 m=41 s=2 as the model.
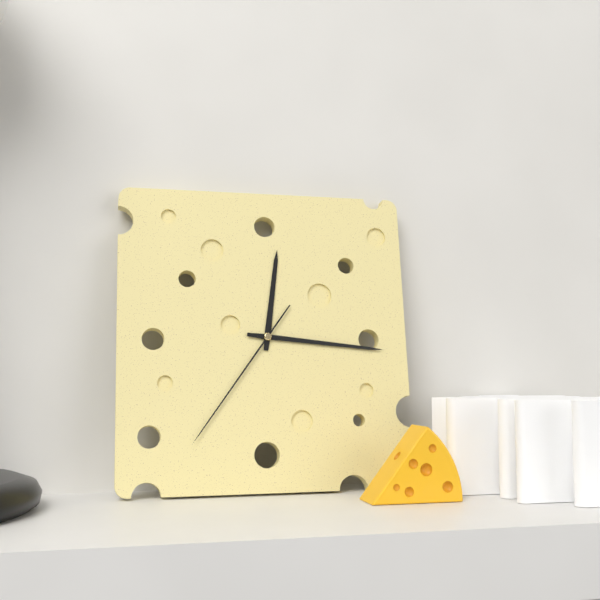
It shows h=12 m=16 s=36
